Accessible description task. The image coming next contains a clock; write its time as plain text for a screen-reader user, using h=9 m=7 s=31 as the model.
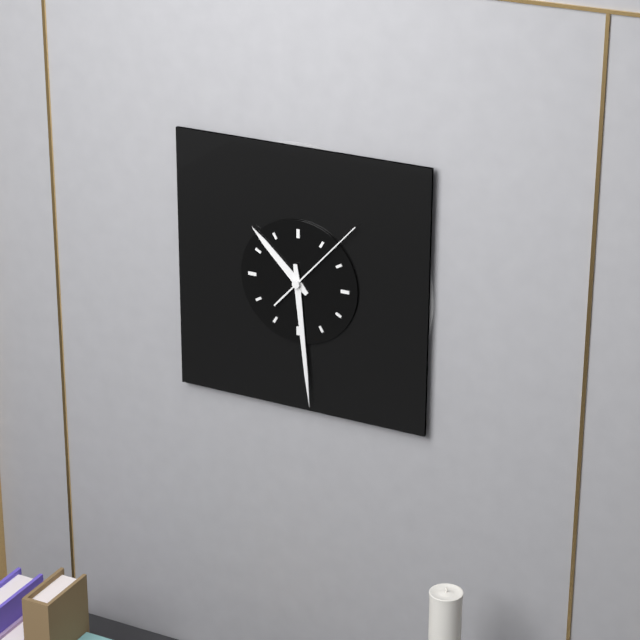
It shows h=10 m=29 s=7
